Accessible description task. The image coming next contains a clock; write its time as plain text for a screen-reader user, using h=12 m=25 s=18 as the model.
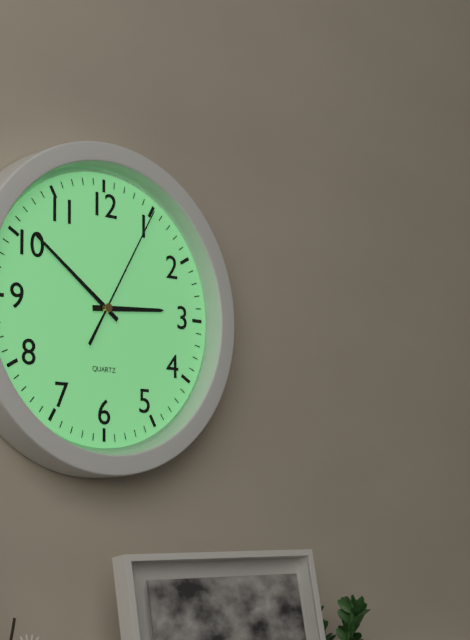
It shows h=2 m=51 s=5
